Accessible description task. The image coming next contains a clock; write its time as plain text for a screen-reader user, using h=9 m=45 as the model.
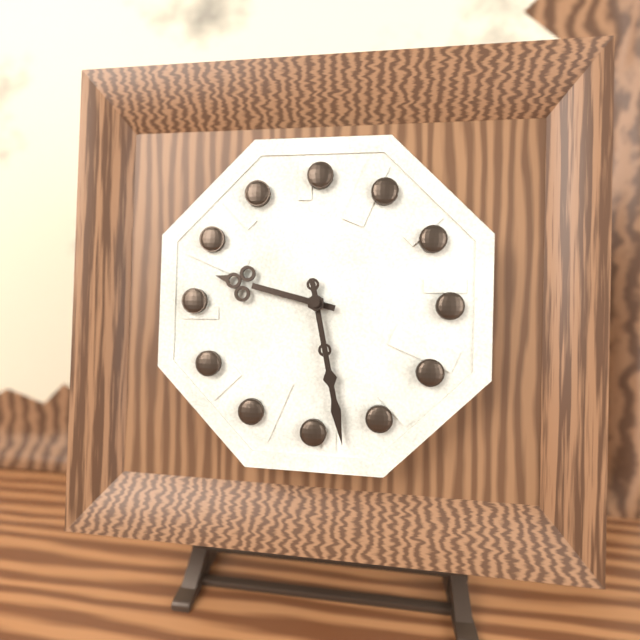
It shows h=9 m=28
